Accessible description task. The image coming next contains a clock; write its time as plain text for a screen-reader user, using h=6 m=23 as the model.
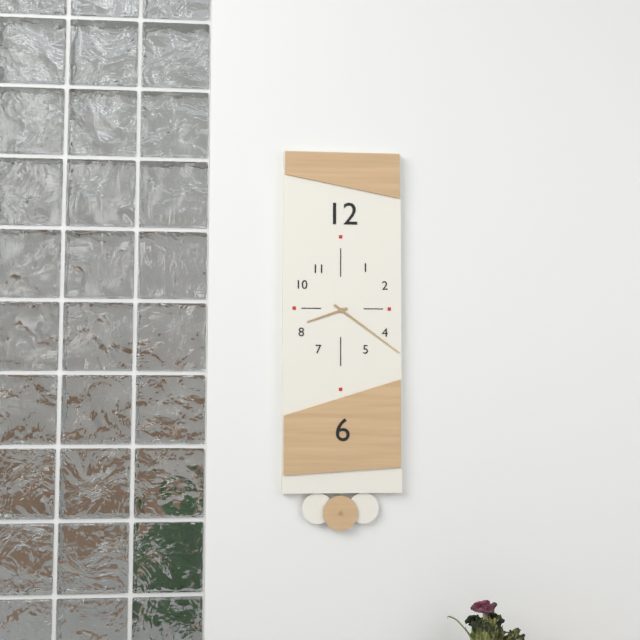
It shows h=8 m=21
